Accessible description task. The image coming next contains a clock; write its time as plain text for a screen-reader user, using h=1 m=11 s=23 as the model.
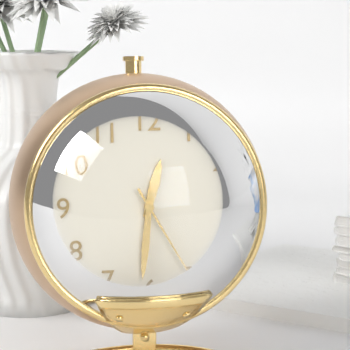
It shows h=12 m=31 s=25
